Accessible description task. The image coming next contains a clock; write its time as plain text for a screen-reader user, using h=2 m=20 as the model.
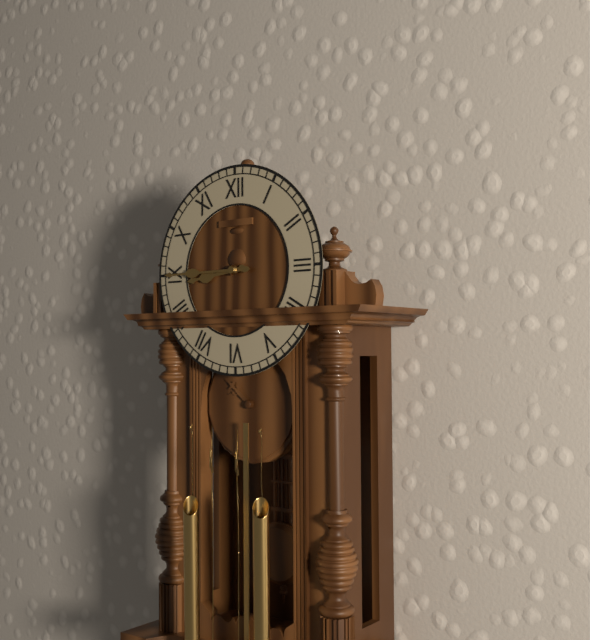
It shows h=8 m=45
